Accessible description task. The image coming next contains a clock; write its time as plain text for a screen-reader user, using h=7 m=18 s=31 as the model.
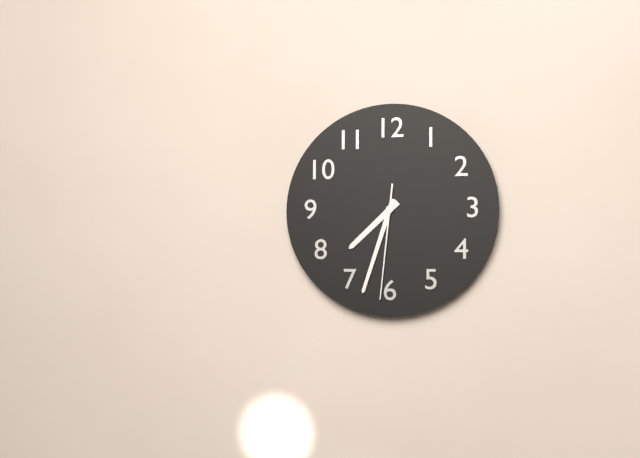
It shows h=7 m=33 s=31
